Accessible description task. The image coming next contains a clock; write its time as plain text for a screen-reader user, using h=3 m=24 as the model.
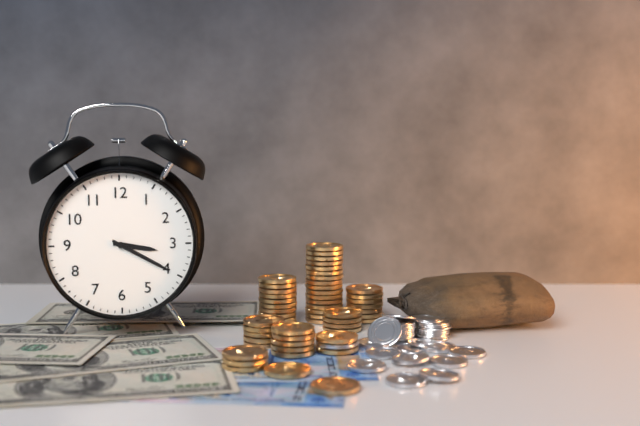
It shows h=3 m=20
